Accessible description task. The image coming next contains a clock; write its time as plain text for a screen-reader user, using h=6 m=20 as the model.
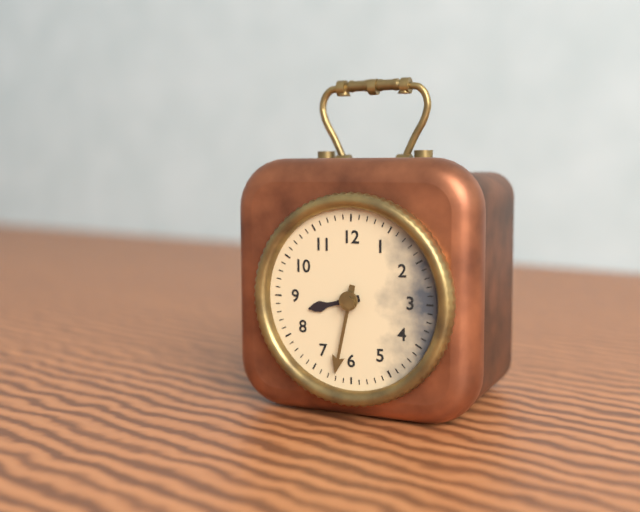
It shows h=8 m=32
